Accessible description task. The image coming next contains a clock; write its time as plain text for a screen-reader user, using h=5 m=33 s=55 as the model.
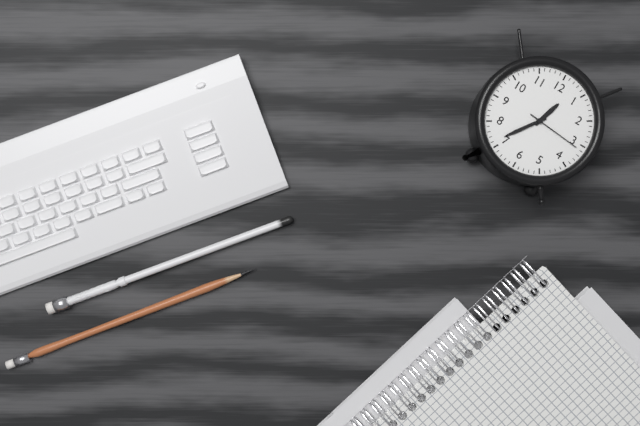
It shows h=12 m=36 s=16
